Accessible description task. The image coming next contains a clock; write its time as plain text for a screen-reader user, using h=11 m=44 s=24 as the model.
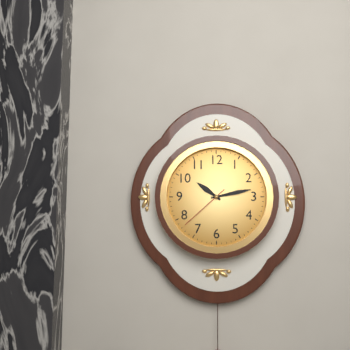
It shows h=10 m=13 s=38
